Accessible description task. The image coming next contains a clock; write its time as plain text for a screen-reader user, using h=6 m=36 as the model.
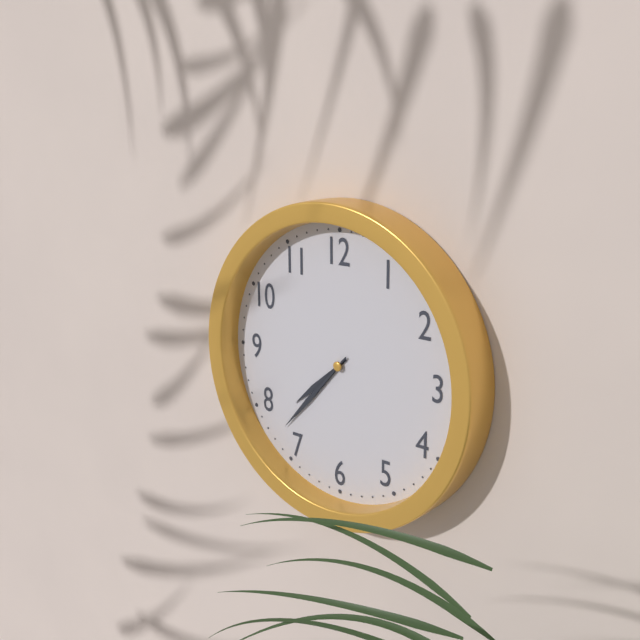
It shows h=7 m=37
